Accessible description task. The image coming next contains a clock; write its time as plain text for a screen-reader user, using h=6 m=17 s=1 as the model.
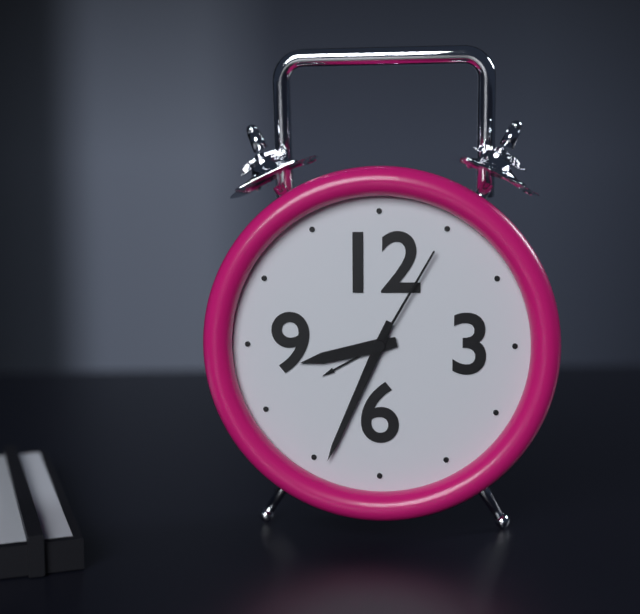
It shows h=8 m=34 s=5
